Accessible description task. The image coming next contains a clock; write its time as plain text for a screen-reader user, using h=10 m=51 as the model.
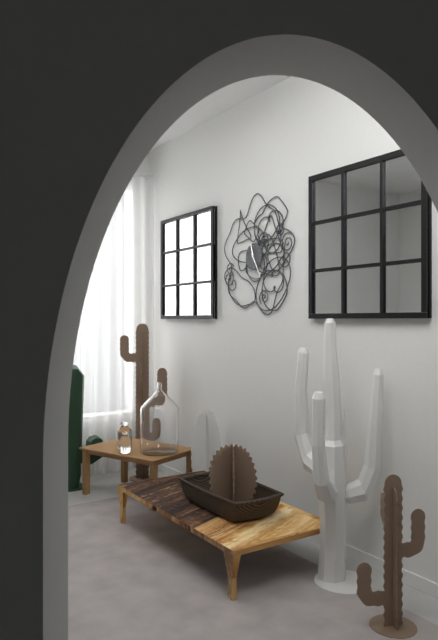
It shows h=11 m=25
